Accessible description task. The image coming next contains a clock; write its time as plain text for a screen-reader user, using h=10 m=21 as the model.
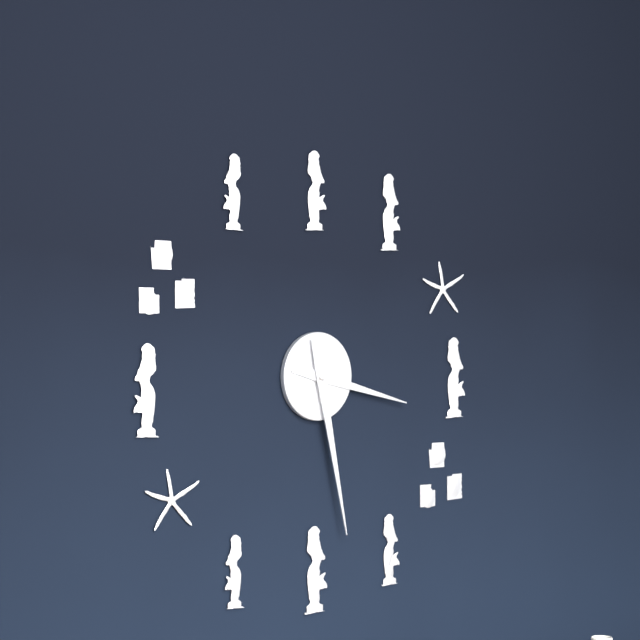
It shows h=3 m=28
